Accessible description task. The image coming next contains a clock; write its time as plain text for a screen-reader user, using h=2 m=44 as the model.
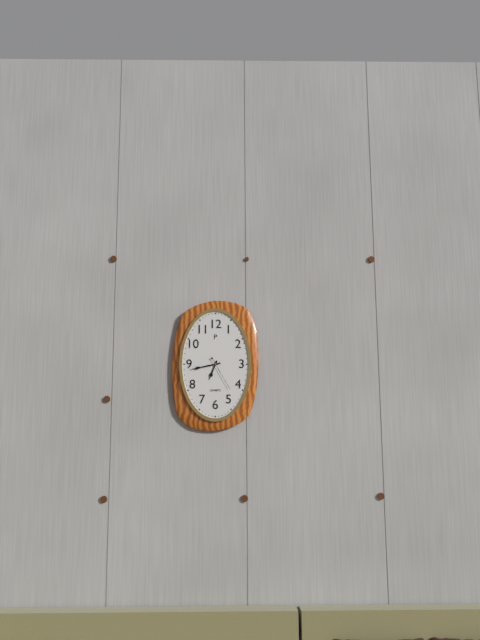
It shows h=6 m=43
